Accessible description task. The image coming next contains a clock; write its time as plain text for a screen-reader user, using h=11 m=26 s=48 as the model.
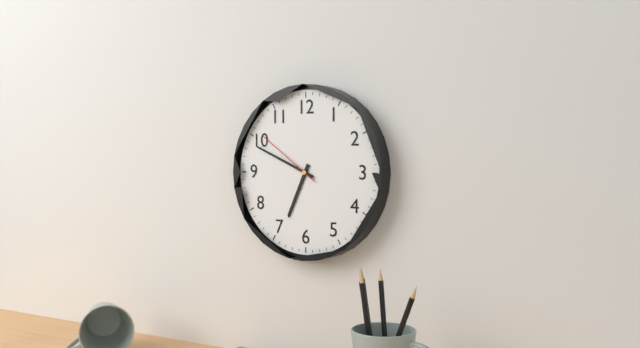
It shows h=6 m=49 s=51
